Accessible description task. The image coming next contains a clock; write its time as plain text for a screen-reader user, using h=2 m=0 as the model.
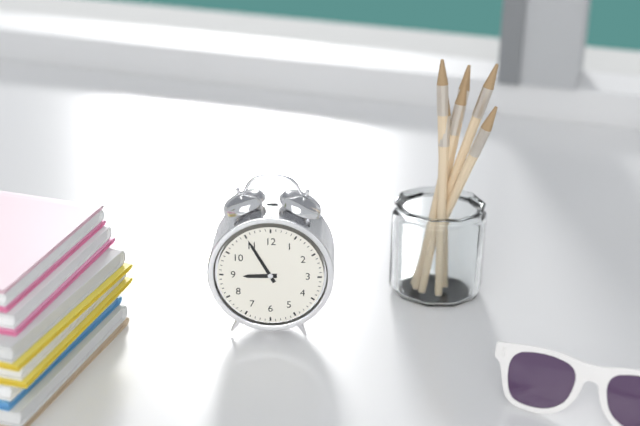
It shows h=8 m=55
